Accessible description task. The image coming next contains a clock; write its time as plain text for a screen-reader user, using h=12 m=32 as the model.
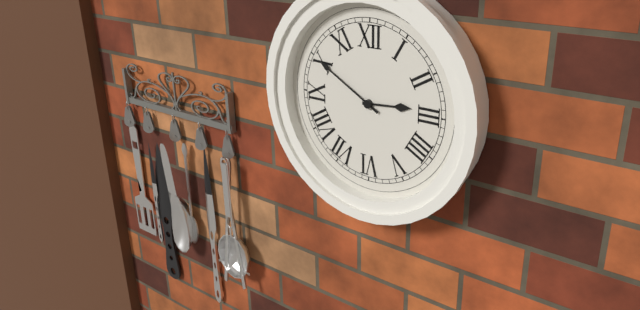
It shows h=2 m=50
